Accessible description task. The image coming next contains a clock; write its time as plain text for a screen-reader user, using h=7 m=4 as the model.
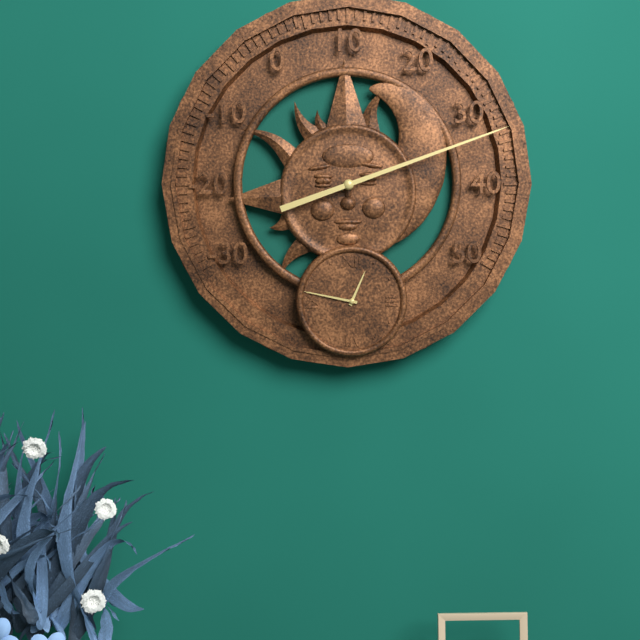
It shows h=12 m=47
